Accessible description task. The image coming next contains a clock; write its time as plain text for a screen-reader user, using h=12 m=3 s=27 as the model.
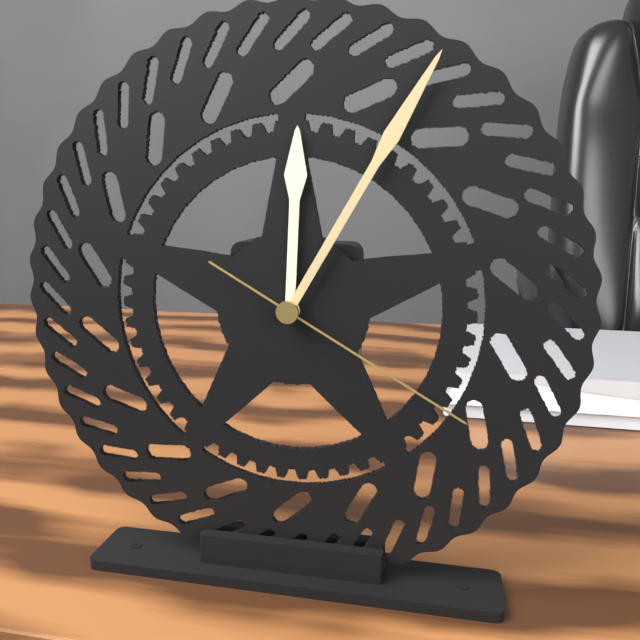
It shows h=12 m=5 s=20
